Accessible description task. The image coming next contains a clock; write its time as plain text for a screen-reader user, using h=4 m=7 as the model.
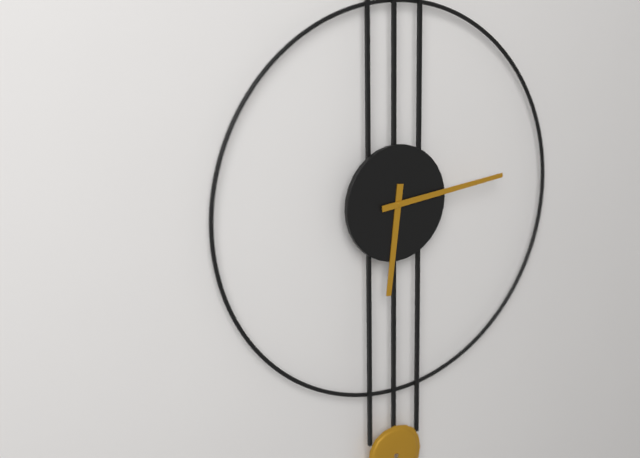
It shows h=6 m=14
